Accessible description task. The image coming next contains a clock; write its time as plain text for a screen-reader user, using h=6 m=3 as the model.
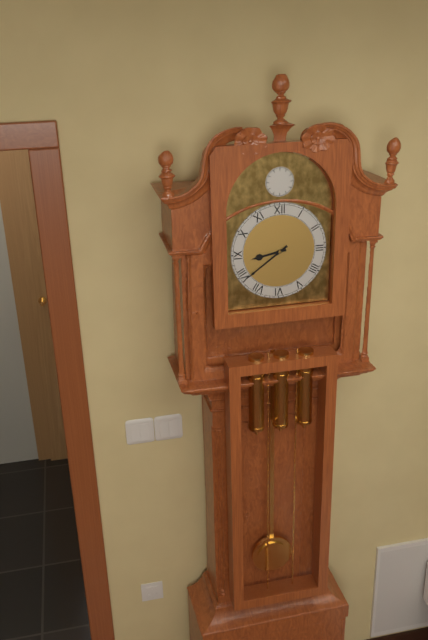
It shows h=8 m=39
